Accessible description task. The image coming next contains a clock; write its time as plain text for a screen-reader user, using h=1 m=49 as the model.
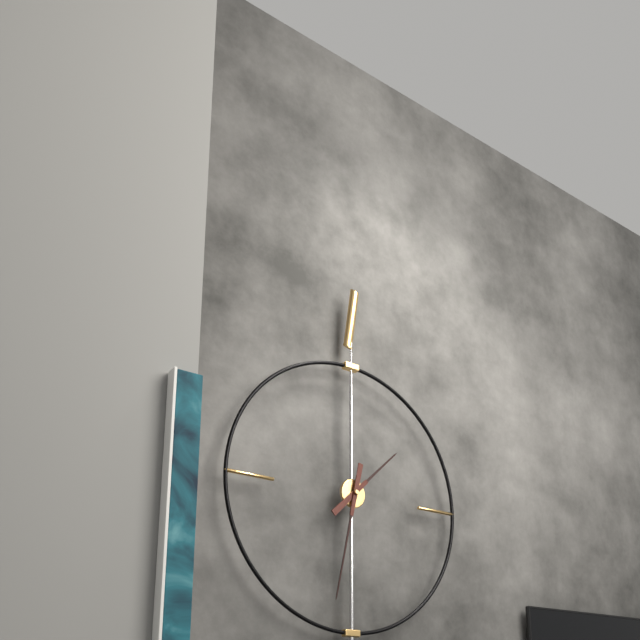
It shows h=1 m=32
